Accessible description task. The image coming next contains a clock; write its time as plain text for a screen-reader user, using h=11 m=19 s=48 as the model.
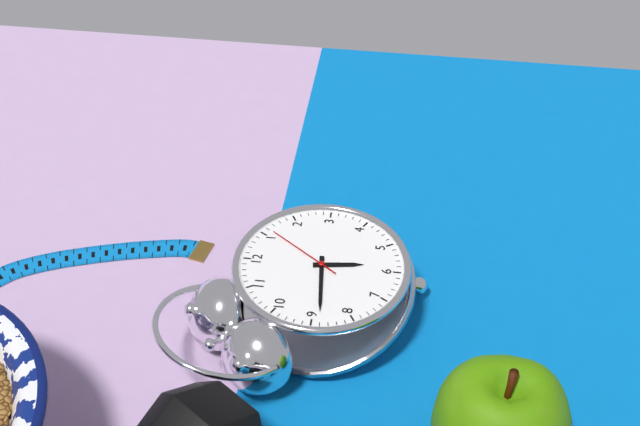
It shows h=5 m=44 s=6
